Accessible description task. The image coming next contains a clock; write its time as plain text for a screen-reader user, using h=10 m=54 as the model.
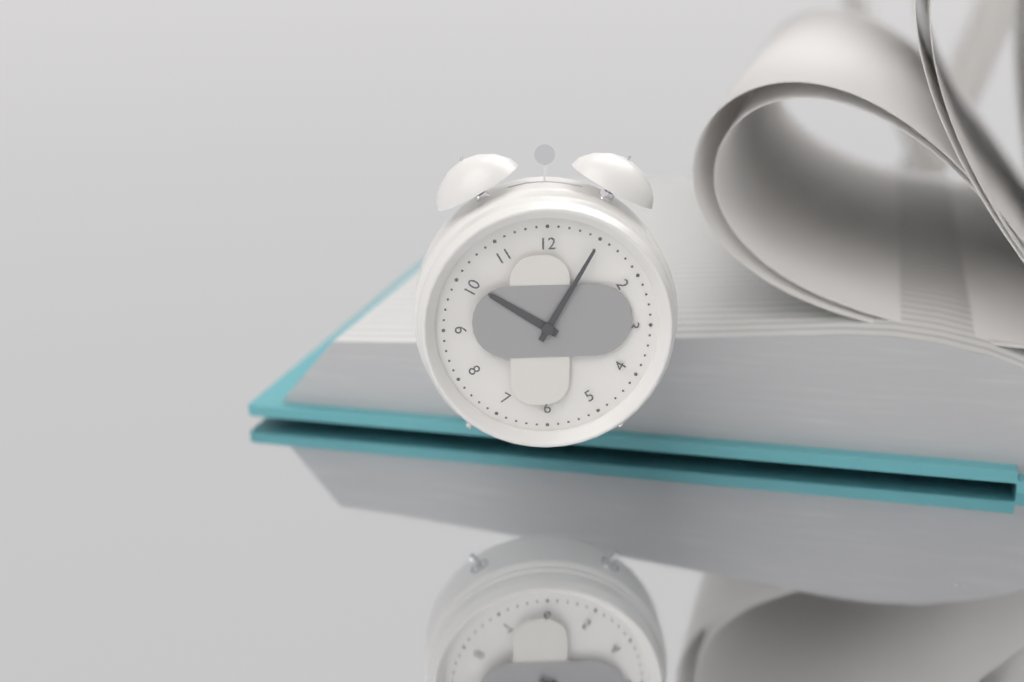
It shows h=10 m=5
